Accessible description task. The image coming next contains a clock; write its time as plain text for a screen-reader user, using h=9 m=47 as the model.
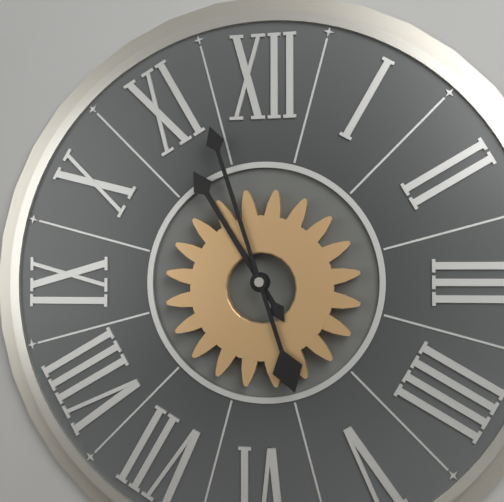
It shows h=10 m=57
